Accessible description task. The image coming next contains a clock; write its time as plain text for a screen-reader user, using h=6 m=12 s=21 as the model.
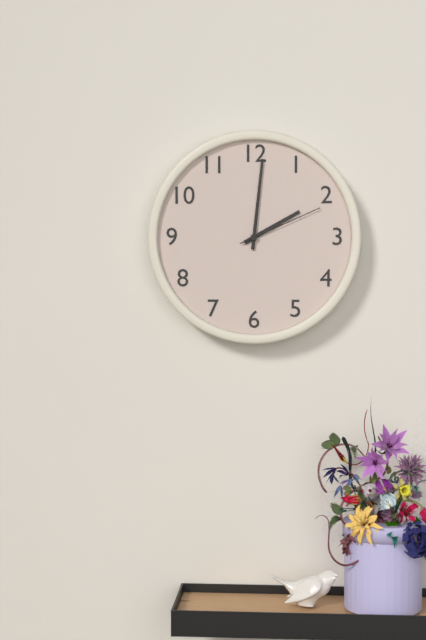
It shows h=2 m=1 s=11
